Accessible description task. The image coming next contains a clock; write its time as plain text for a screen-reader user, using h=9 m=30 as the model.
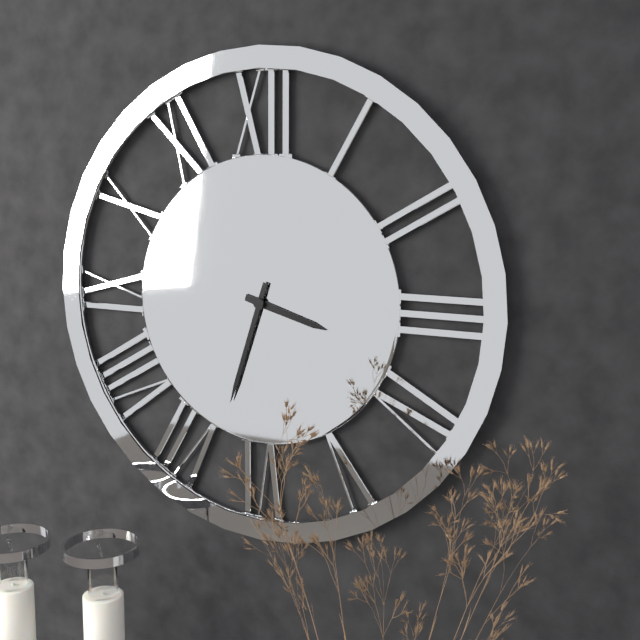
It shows h=3 m=33
